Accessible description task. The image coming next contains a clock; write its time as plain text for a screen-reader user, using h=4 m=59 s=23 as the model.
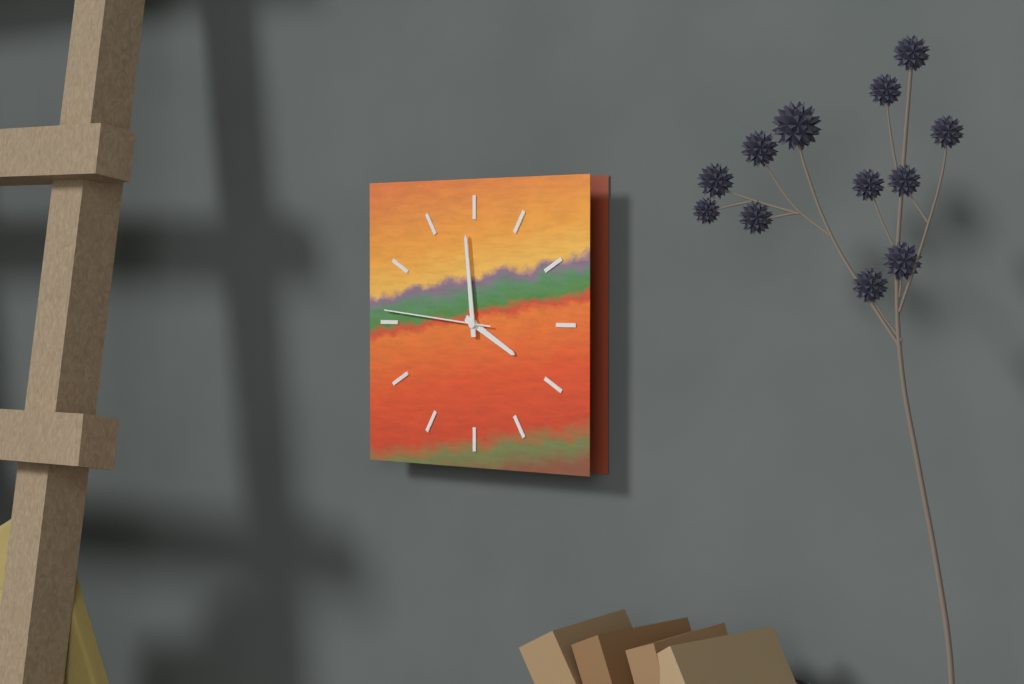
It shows h=3 m=59 s=46
